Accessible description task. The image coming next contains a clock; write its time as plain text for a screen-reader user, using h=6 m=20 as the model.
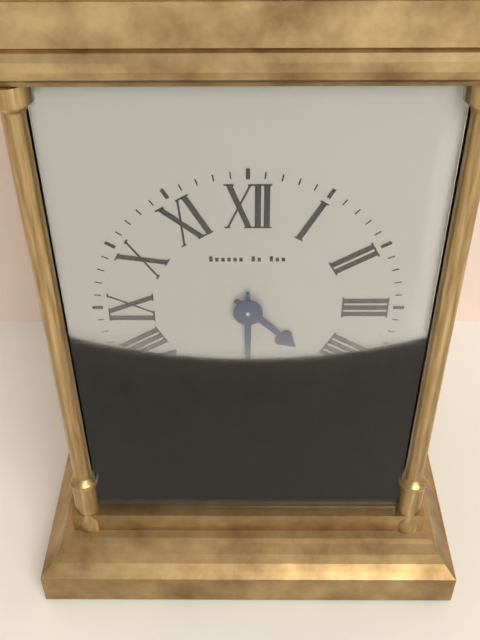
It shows h=4 m=30
